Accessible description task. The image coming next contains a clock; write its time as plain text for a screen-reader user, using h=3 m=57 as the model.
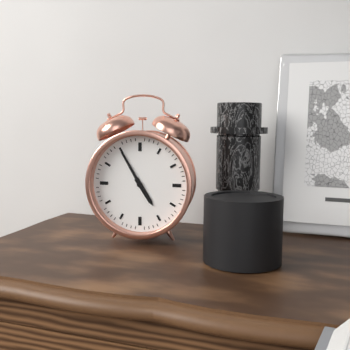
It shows h=4 m=55
